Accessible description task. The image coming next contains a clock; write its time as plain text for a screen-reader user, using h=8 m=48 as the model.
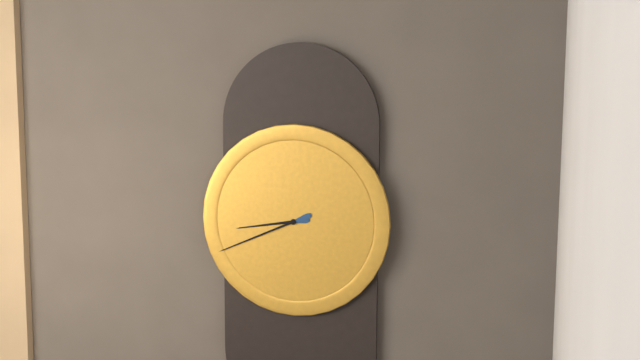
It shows h=8 m=41
